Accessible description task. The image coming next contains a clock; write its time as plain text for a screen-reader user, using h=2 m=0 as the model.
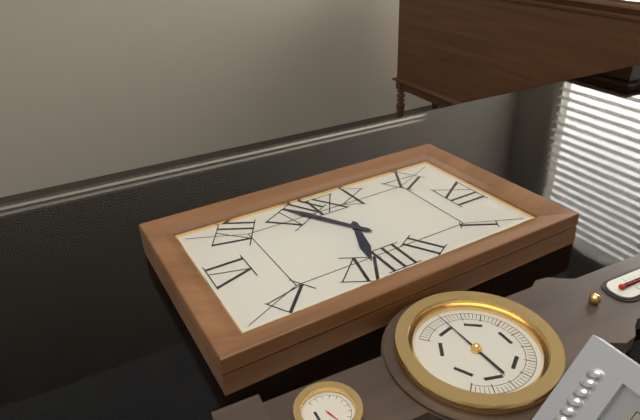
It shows h=3 m=40
